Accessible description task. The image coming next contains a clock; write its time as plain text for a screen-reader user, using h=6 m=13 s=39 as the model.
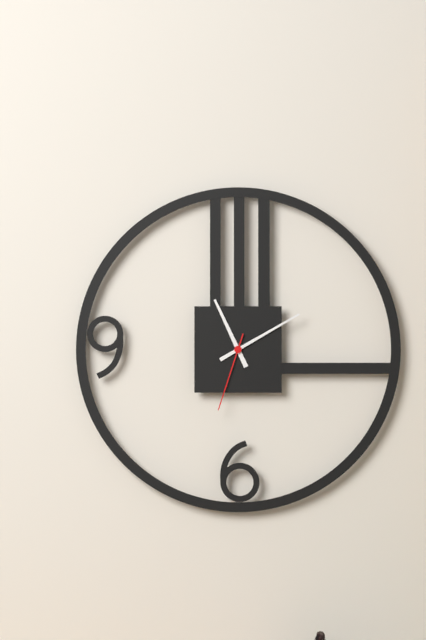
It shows h=11 m=10 s=33
